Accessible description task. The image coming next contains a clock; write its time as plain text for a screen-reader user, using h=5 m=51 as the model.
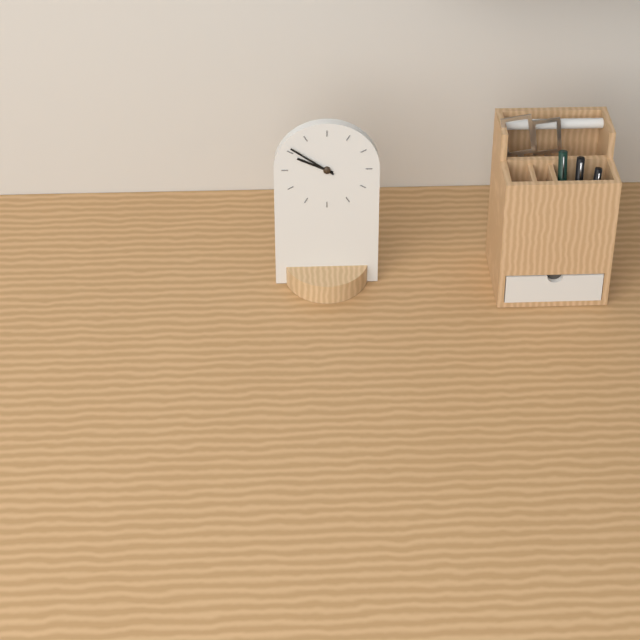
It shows h=9 m=51
